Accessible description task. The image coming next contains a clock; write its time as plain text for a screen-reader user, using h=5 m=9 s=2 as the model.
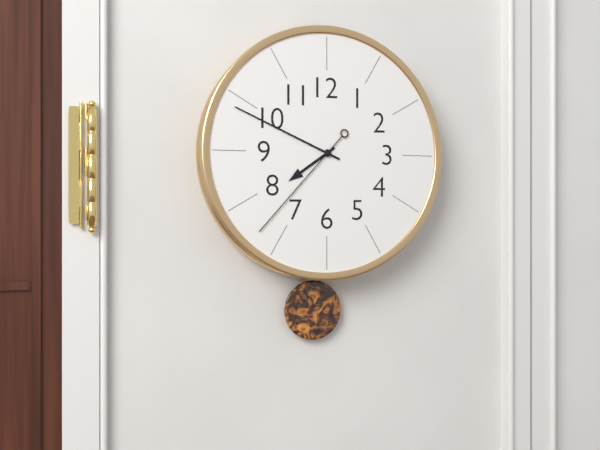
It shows h=7 m=49 s=37
